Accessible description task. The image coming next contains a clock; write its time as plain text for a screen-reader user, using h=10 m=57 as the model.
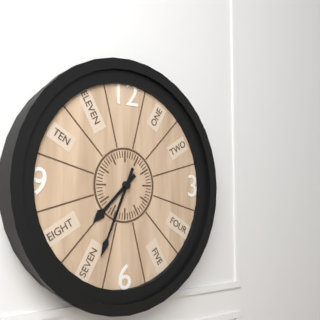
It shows h=7 m=34
